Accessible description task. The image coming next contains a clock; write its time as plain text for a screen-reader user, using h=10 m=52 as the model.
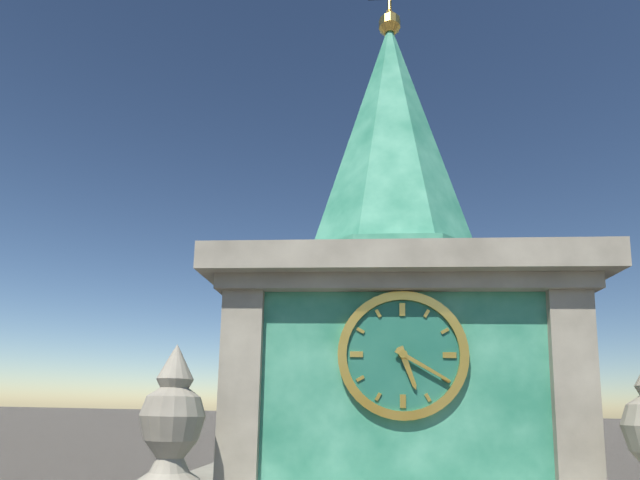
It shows h=5 m=20
